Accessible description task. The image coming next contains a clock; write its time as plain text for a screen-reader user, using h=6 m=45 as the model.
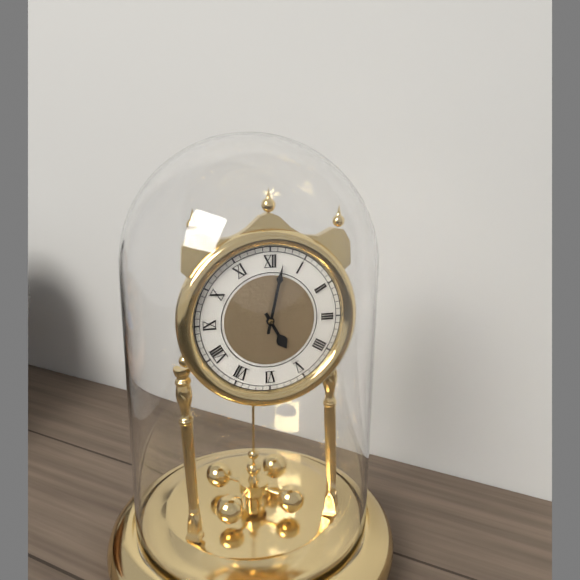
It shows h=5 m=2
